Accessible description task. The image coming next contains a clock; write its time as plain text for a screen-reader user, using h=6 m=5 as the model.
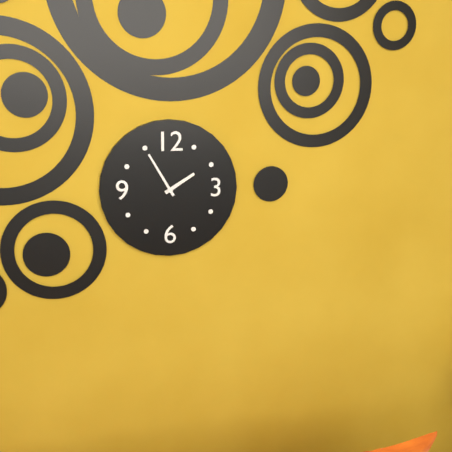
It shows h=1 m=55
